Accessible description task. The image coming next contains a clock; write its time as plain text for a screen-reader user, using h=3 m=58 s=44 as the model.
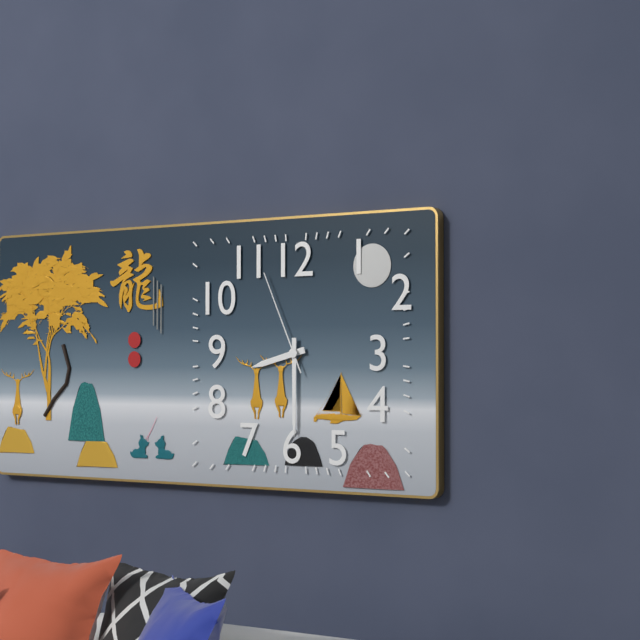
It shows h=8 m=30 s=56
